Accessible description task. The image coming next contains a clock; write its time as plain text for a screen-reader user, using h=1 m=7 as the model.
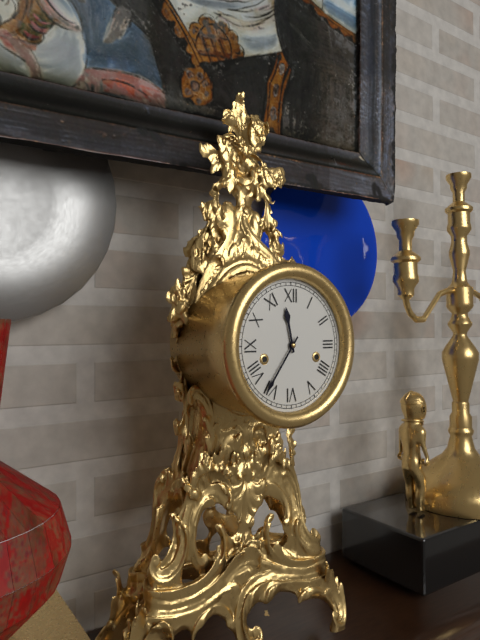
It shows h=11 m=36
